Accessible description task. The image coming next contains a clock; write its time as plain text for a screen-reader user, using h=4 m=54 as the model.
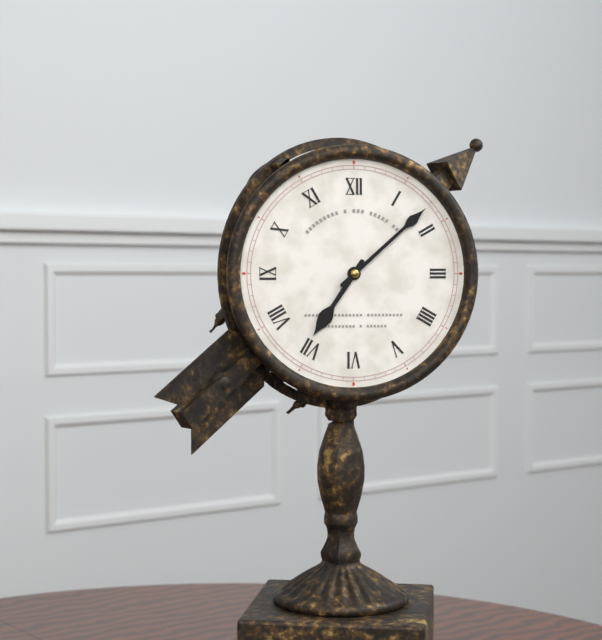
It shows h=7 m=8
